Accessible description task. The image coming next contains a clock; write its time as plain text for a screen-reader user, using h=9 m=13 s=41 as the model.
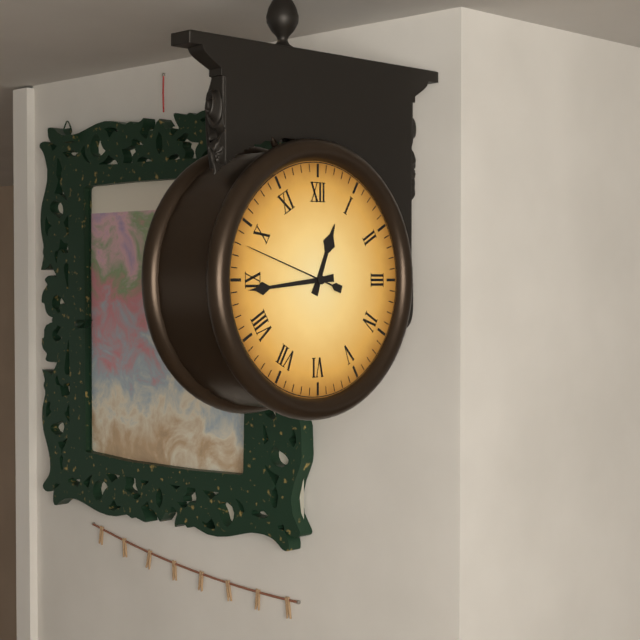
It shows h=12 m=44 s=48
